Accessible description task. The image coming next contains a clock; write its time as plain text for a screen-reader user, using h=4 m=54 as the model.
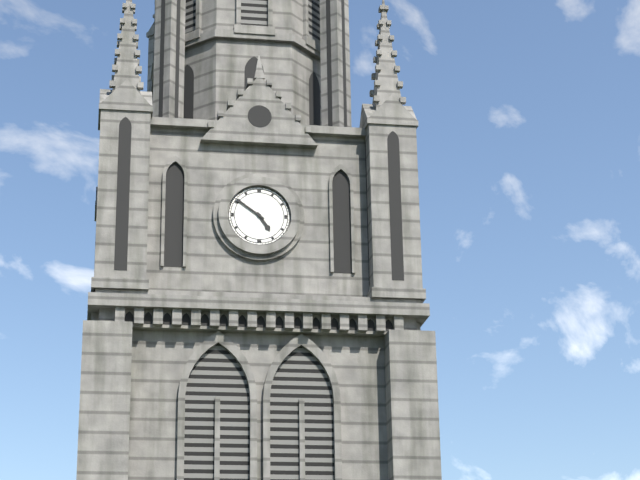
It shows h=4 m=51
